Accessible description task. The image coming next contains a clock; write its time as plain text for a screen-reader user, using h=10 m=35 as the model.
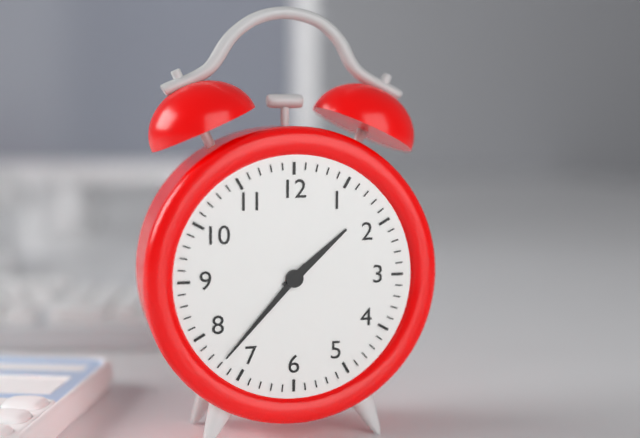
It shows h=1 m=37
